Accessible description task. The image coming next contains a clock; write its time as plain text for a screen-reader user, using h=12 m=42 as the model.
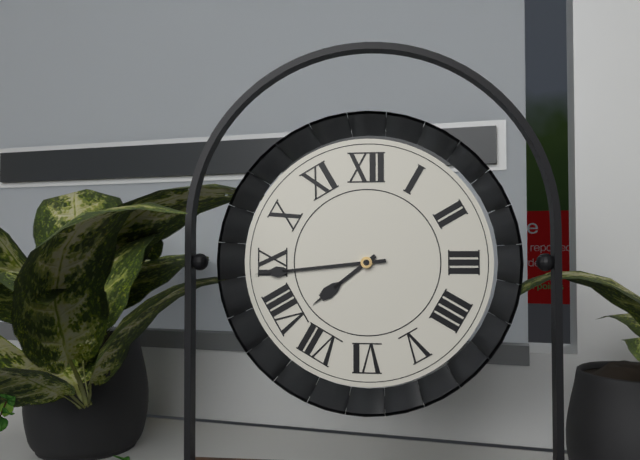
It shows h=7 m=44
